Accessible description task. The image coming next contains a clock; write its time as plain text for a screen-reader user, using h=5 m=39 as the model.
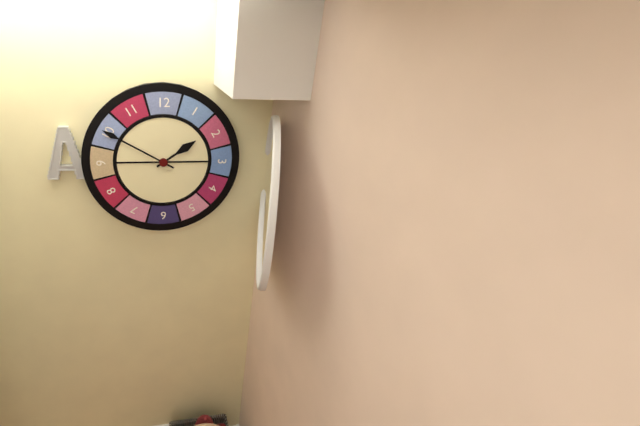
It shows h=1 m=50
